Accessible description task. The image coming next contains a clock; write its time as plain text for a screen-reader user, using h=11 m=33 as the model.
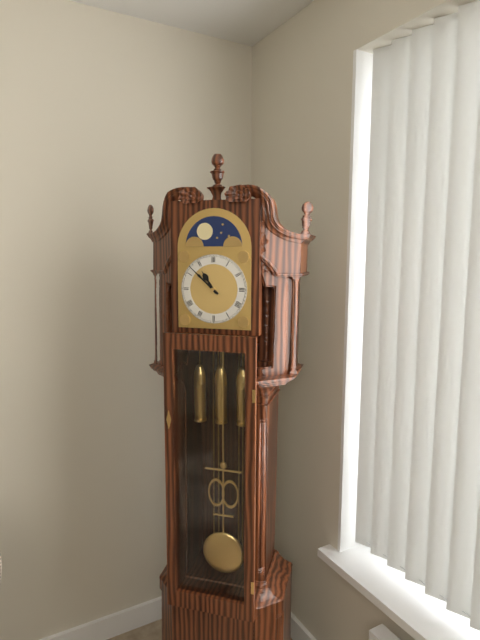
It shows h=10 m=52
